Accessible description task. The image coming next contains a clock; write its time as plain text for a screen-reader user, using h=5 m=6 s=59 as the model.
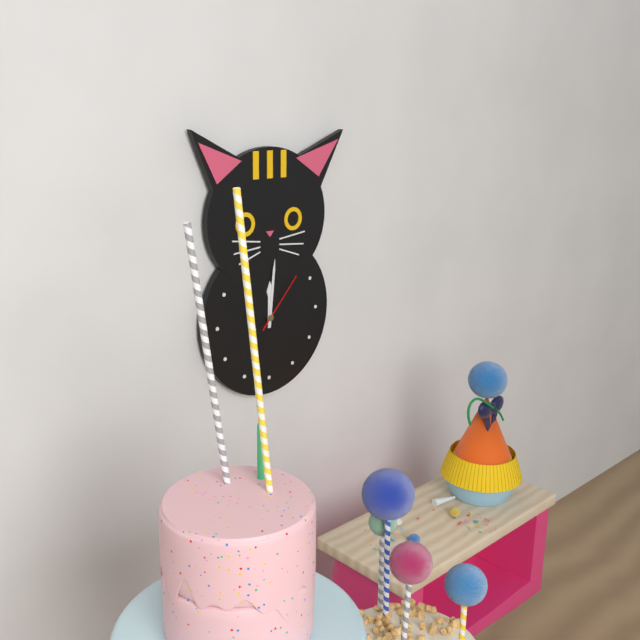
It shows h=12 m=1 s=7
